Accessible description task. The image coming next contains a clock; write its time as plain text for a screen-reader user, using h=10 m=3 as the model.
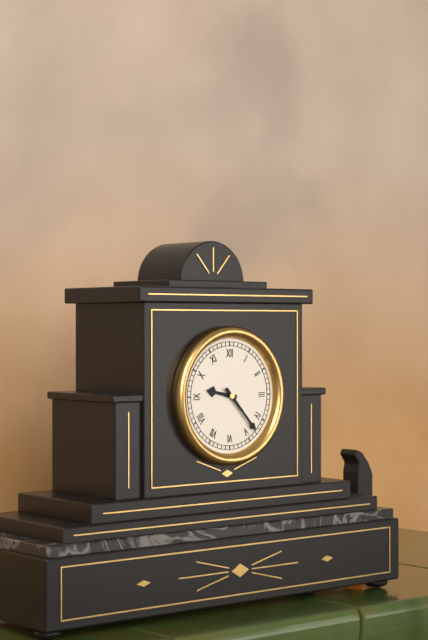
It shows h=9 m=23
